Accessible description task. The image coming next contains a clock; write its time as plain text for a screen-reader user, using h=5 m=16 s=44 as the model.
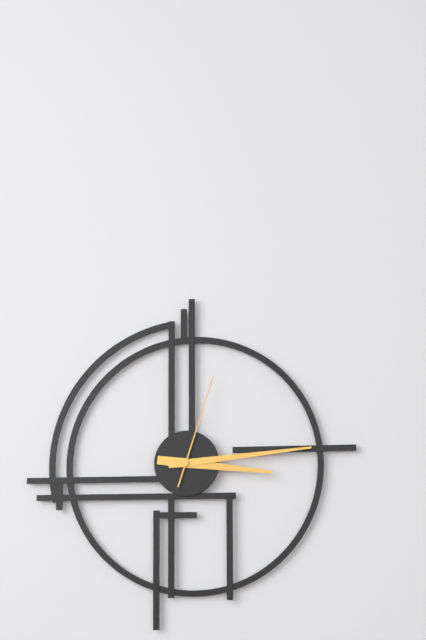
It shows h=3 m=14 s=3
